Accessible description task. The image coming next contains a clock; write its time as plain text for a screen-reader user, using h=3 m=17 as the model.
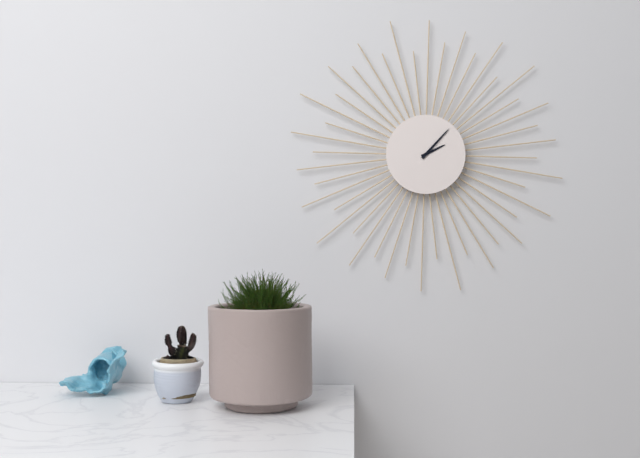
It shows h=2 m=7
